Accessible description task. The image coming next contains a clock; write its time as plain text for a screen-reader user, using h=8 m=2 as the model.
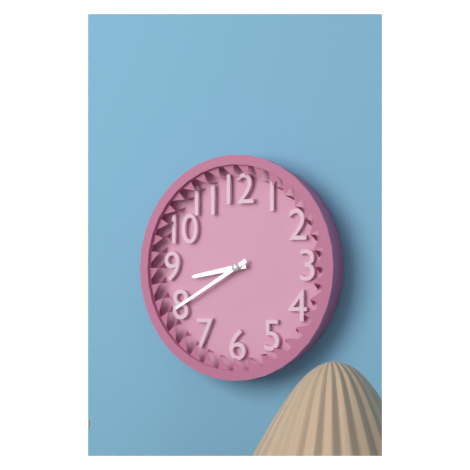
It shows h=8 m=40
